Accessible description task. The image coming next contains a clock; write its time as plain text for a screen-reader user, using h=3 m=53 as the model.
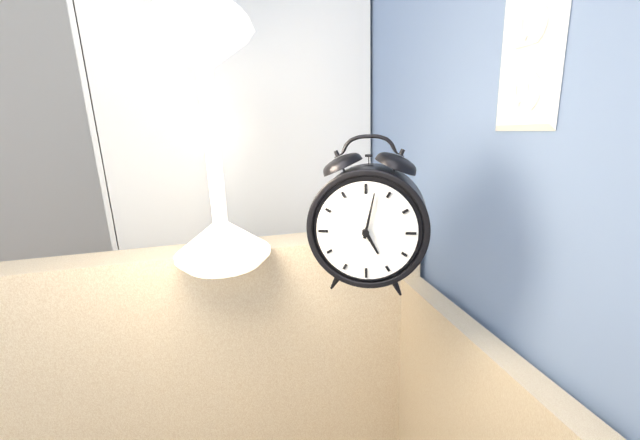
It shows h=5 m=2
